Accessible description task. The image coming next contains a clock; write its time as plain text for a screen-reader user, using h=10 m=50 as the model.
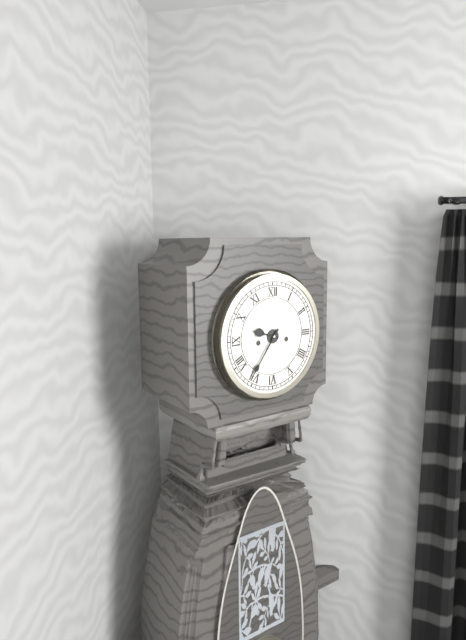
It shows h=9 m=36
